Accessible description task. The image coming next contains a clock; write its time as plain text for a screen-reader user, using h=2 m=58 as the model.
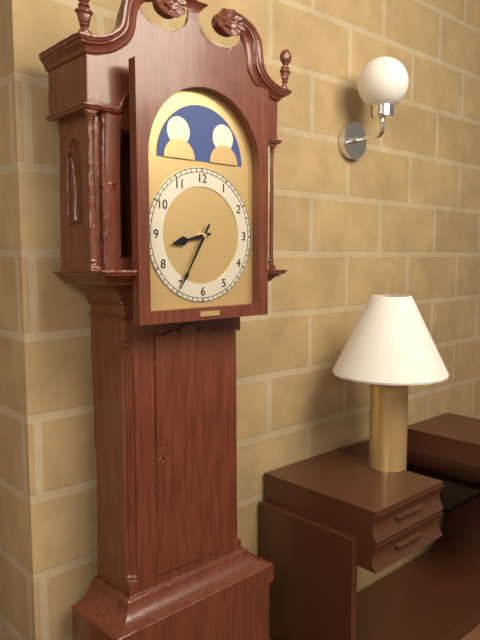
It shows h=8 m=35
